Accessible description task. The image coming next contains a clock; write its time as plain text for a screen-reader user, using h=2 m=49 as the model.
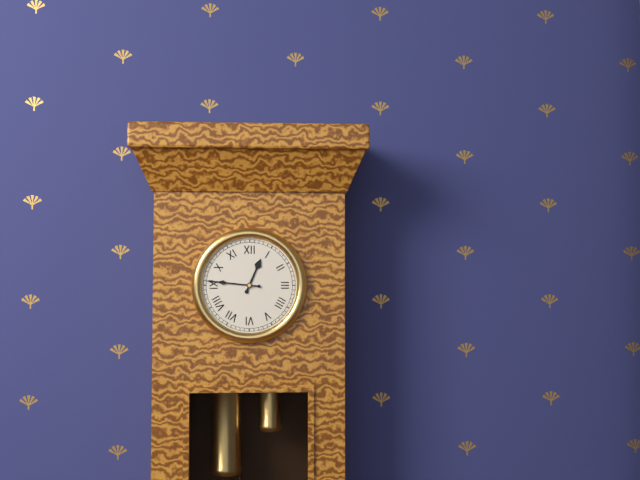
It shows h=12 m=46
